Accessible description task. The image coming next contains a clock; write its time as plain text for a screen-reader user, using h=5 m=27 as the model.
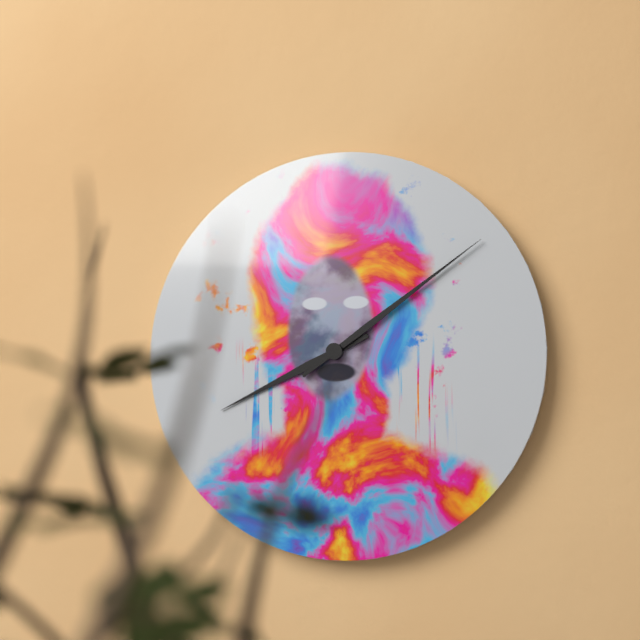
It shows h=8 m=9
